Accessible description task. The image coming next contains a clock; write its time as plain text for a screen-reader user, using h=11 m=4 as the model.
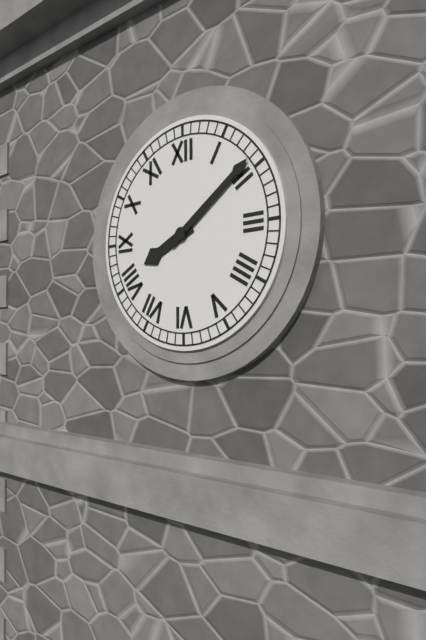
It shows h=8 m=9
